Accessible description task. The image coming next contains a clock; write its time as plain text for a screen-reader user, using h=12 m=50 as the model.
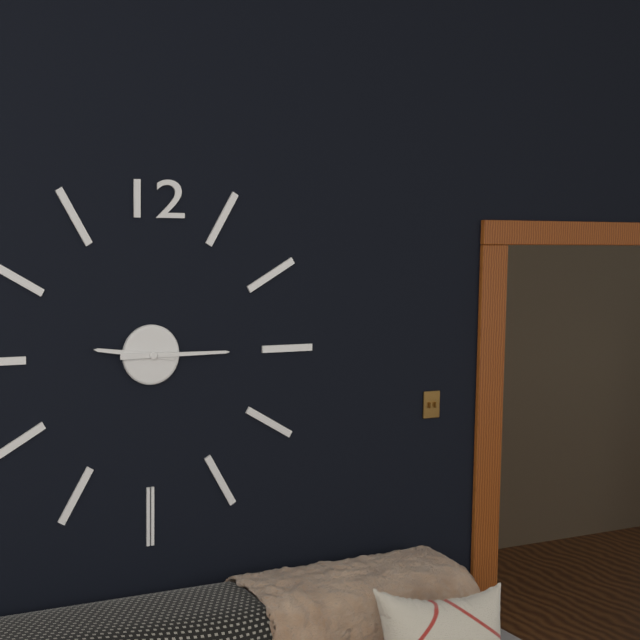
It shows h=9 m=15
